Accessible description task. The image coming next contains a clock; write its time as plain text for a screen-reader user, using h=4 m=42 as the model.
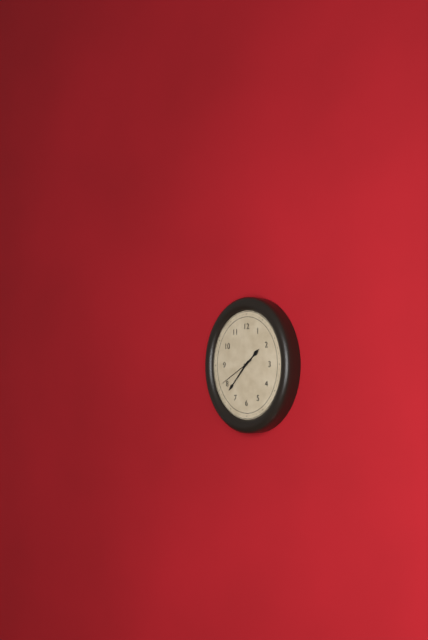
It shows h=1 m=37
